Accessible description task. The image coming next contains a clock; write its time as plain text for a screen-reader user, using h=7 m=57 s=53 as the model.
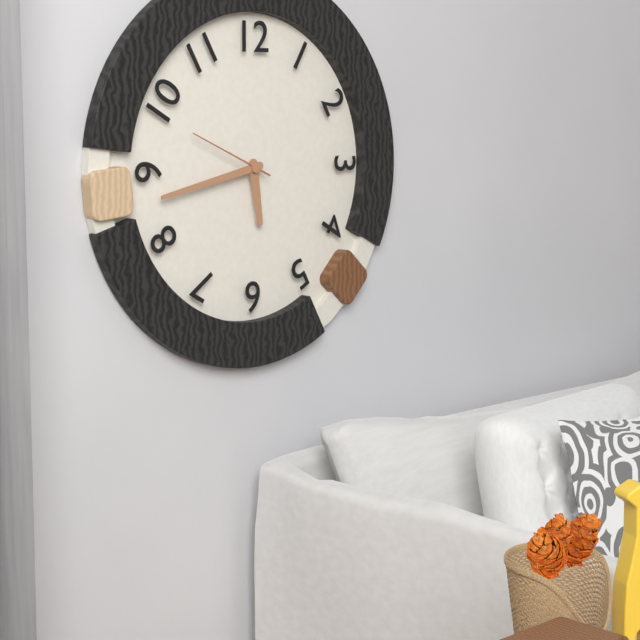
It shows h=5 m=43 s=49
